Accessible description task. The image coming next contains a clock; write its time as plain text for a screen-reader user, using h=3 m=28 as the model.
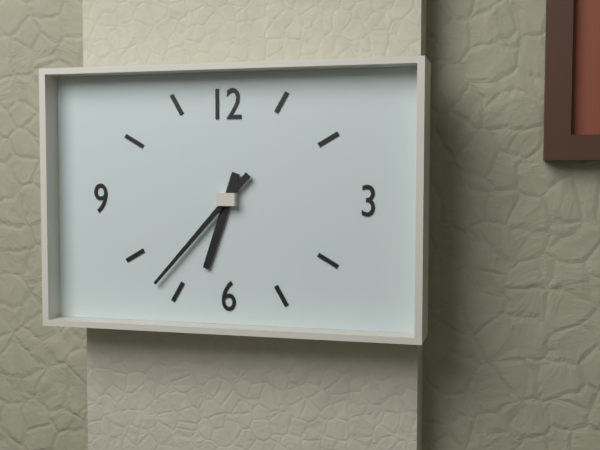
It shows h=6 m=37
